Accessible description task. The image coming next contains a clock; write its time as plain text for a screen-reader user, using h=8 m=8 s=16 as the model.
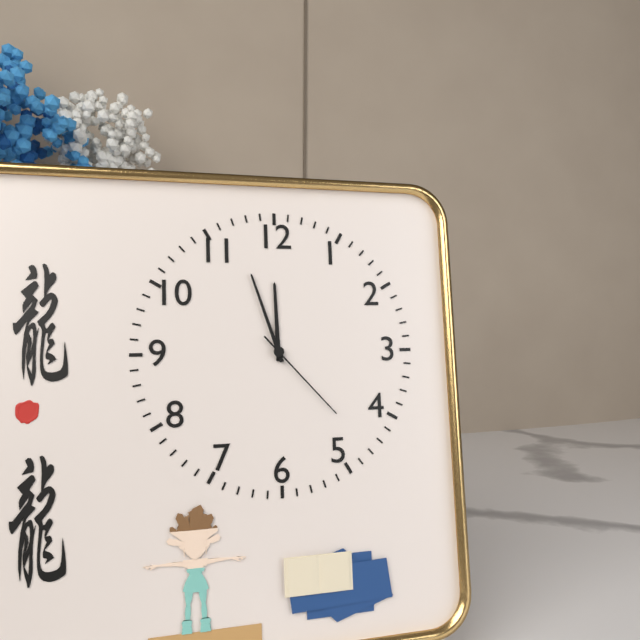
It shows h=11 m=57 s=23
